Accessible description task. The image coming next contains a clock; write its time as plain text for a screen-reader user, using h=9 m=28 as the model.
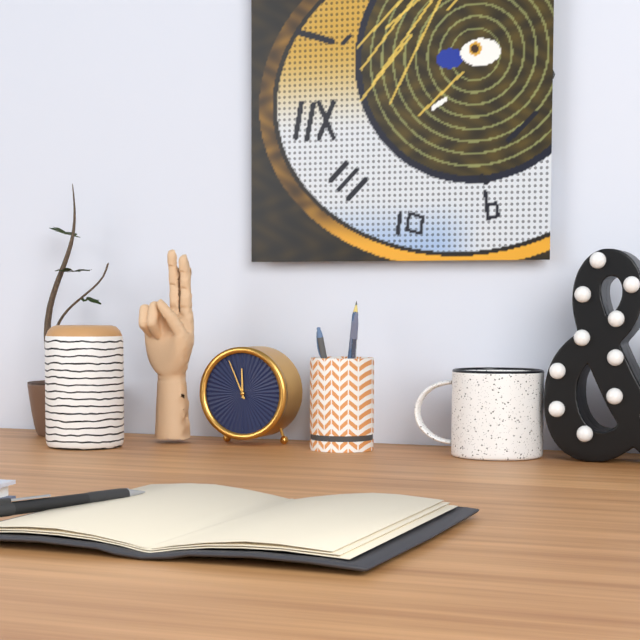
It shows h=11 m=56
